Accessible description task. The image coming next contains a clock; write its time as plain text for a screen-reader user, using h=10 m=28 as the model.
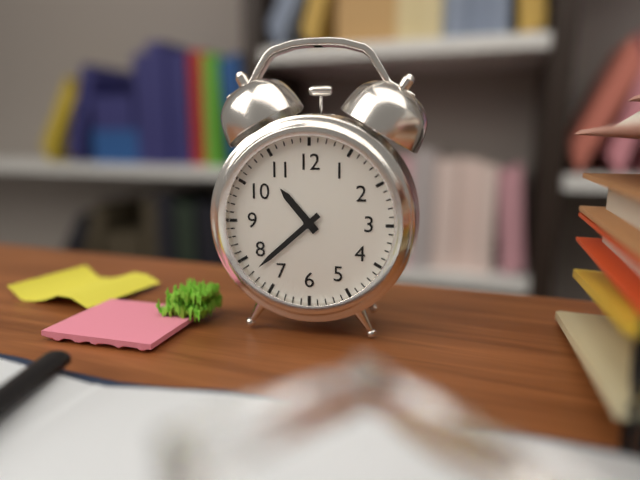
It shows h=10 m=38
